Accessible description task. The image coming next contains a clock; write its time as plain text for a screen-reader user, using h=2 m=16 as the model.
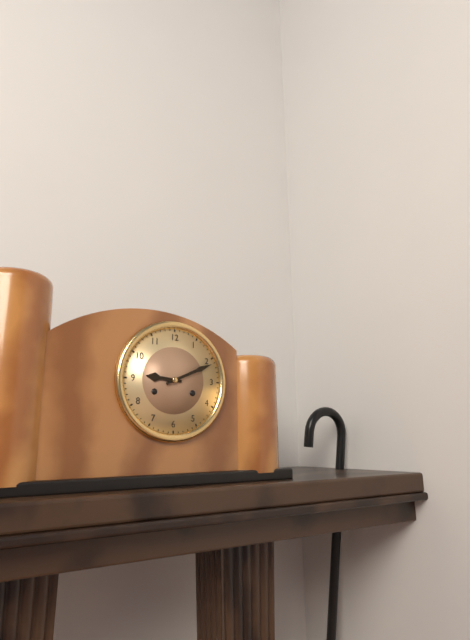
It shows h=9 m=11
